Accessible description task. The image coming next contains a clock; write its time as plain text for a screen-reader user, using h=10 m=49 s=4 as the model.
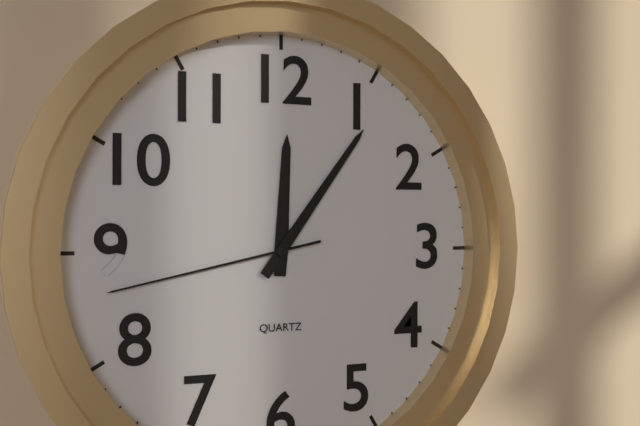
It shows h=12 m=6 s=43
